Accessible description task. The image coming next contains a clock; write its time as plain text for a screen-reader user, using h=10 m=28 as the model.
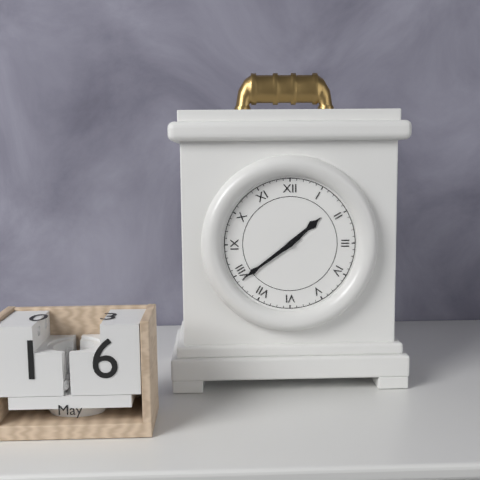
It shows h=1 m=39
